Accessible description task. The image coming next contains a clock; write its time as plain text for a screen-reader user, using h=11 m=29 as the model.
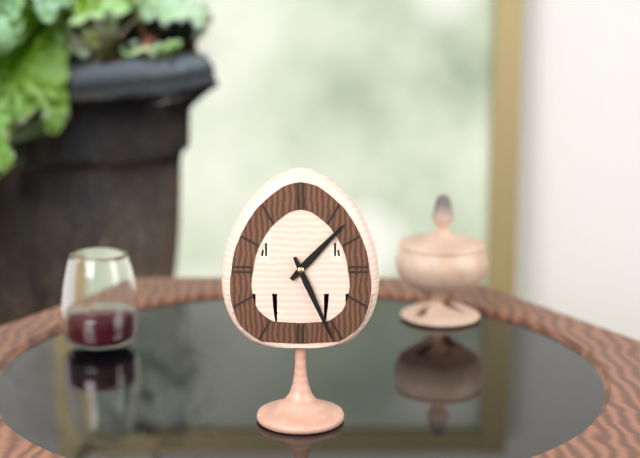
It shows h=1 m=26
